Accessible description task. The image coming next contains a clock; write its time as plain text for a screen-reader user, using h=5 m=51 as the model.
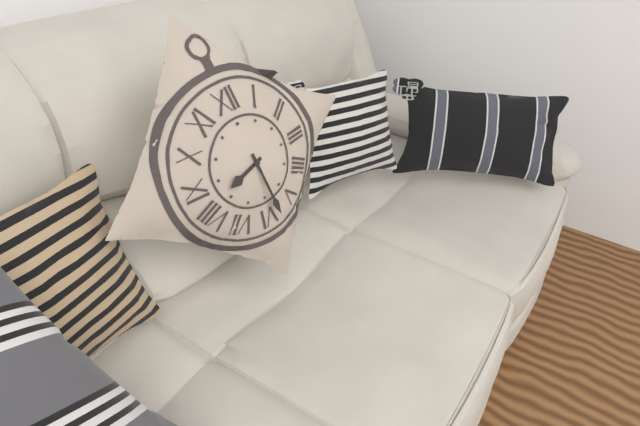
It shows h=8 m=29
